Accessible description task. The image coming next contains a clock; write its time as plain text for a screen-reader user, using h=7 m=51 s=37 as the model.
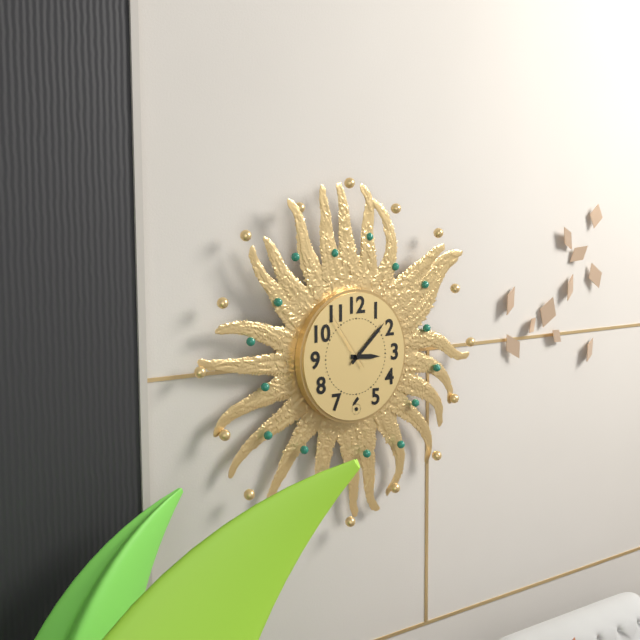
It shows h=3 m=8 s=54
